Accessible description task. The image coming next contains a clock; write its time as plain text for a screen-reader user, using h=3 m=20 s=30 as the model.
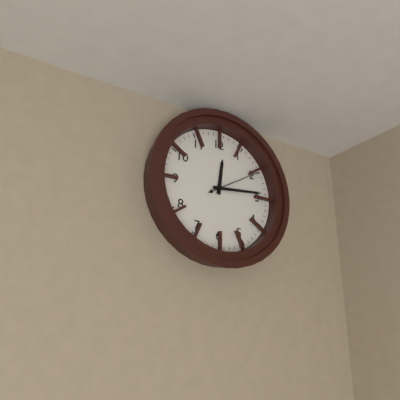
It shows h=12 m=14 s=10
